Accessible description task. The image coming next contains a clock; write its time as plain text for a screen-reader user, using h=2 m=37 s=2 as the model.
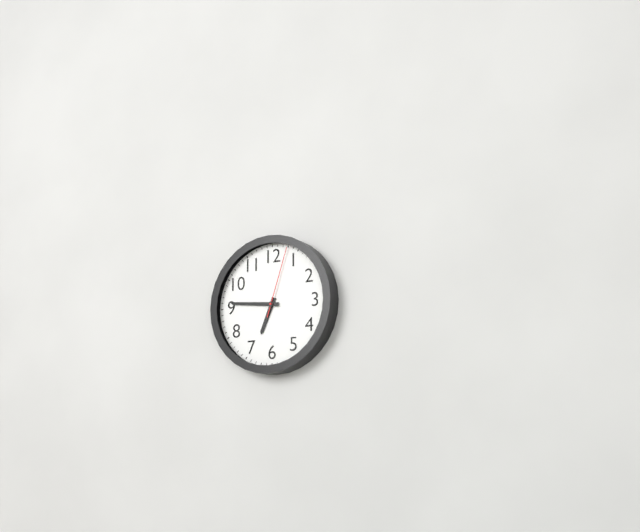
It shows h=6 m=46 s=3
